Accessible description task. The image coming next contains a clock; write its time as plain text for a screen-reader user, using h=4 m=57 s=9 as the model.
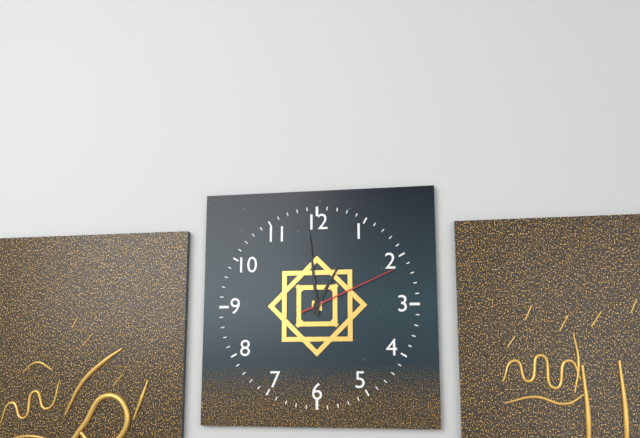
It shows h=12 m=59 s=11
